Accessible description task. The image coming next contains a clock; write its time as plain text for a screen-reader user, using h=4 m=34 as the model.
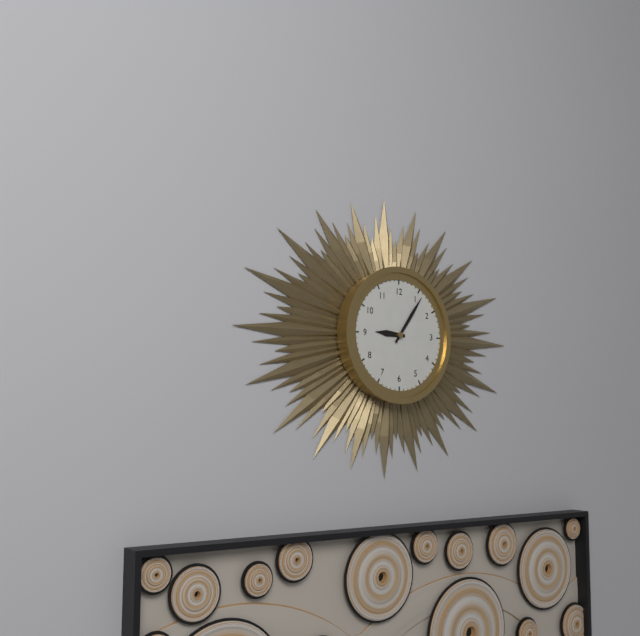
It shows h=9 m=6
